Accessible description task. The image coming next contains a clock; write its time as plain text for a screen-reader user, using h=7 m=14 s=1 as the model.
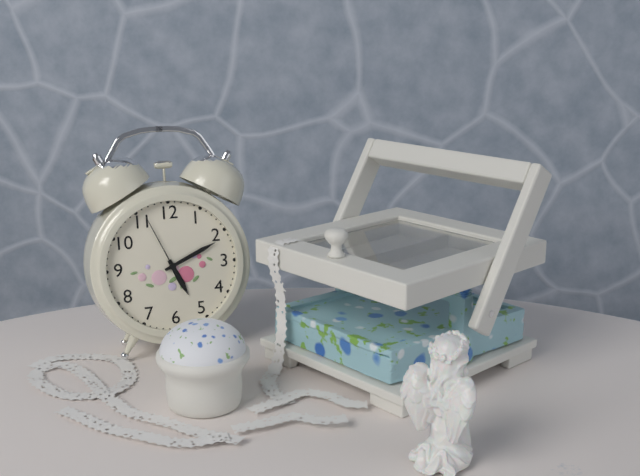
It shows h=5 m=11 s=56
